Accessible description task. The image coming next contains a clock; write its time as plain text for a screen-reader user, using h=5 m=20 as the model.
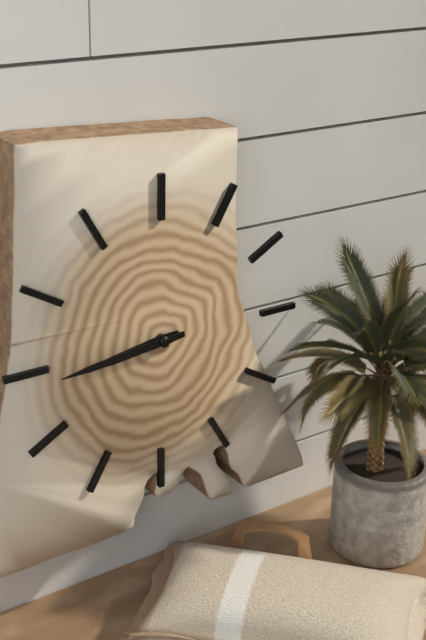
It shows h=8 m=44
